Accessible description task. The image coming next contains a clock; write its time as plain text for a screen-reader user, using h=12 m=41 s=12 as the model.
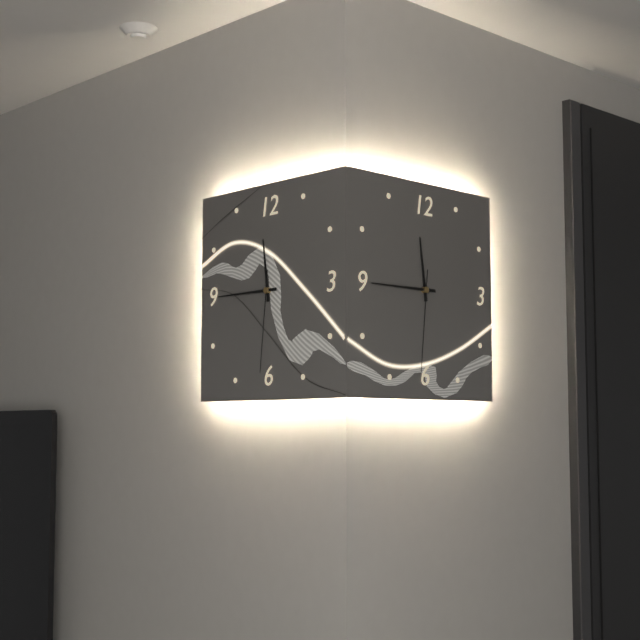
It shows h=11 m=45 s=31
